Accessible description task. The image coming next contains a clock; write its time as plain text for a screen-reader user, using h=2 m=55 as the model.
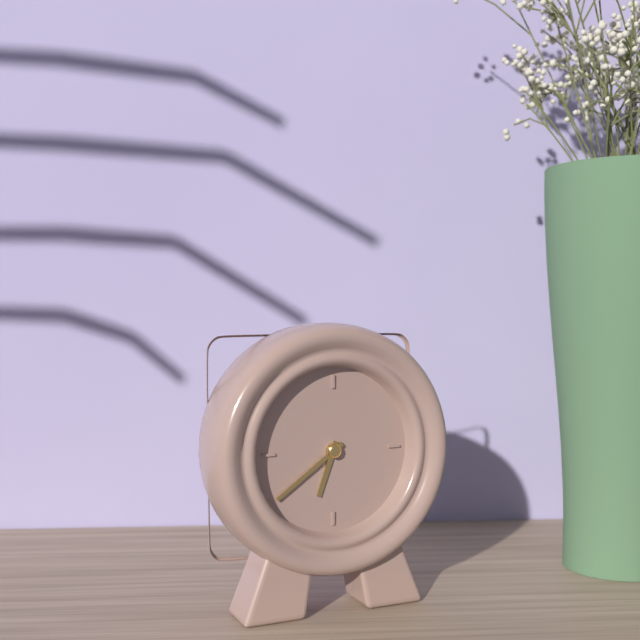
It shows h=6 m=39
